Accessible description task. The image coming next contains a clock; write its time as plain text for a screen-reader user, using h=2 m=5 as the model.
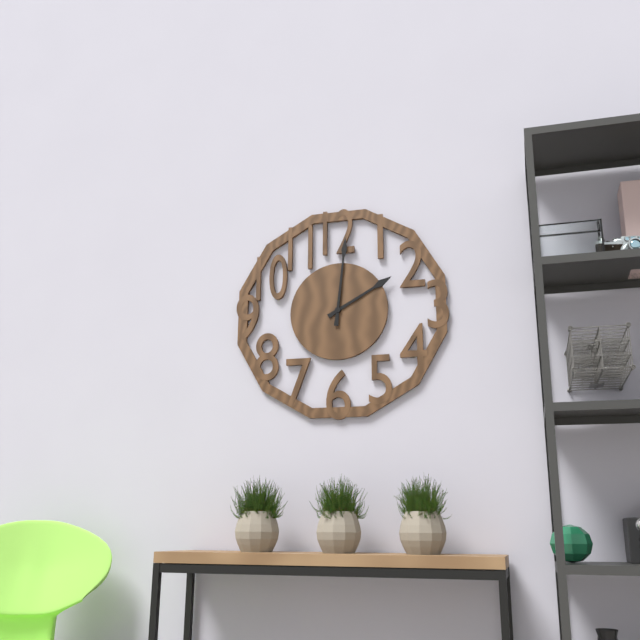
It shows h=2 m=1
